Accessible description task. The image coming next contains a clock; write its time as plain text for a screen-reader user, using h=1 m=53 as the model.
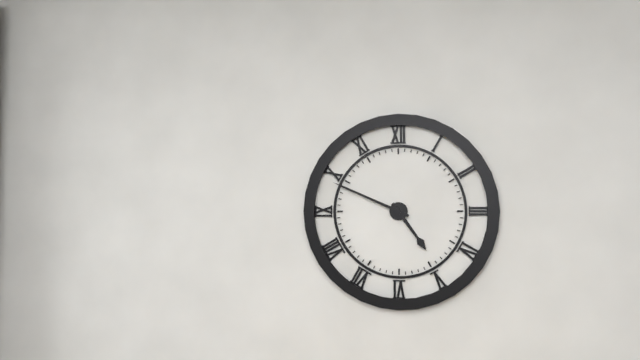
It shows h=4 m=49
